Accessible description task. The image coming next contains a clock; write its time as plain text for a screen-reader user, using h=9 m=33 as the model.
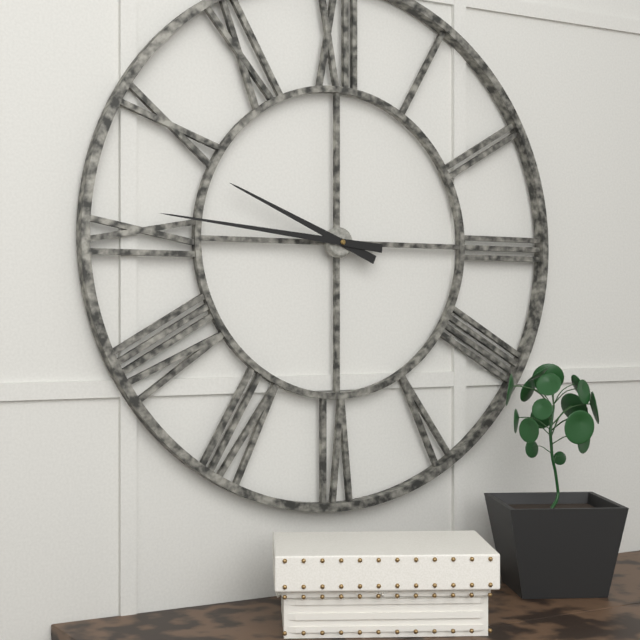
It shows h=9 m=46
